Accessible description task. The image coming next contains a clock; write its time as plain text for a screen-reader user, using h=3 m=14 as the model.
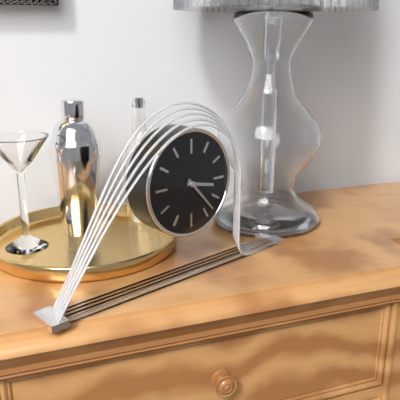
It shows h=3 m=23
